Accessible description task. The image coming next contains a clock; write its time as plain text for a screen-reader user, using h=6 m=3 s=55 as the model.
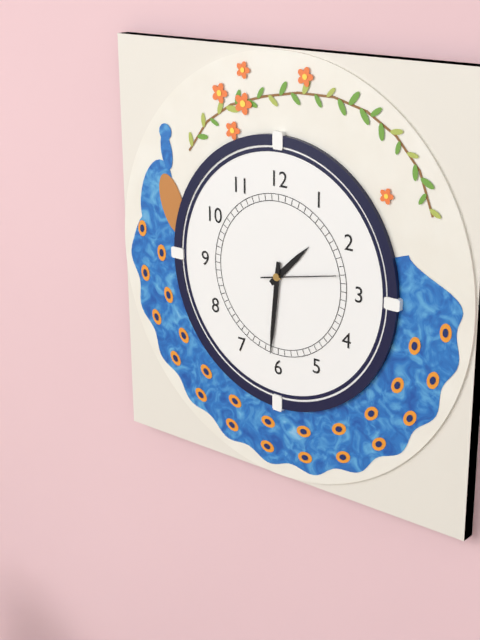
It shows h=1 m=31 s=13
